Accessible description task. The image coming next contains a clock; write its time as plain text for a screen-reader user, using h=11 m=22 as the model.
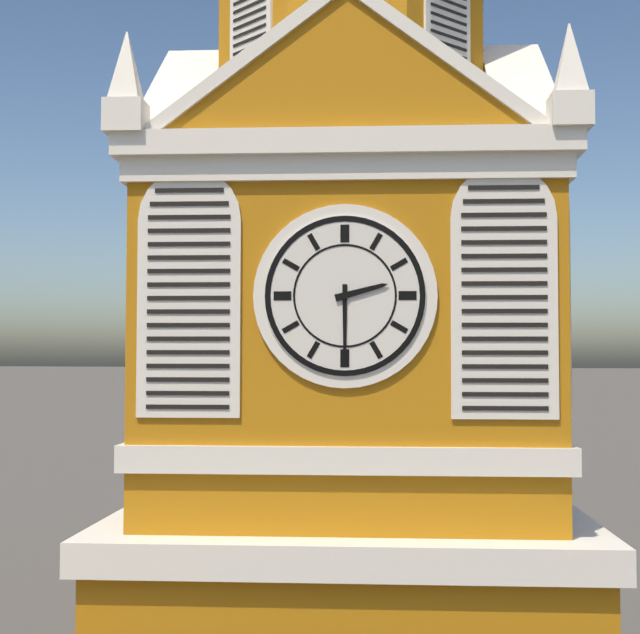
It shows h=2 m=30
